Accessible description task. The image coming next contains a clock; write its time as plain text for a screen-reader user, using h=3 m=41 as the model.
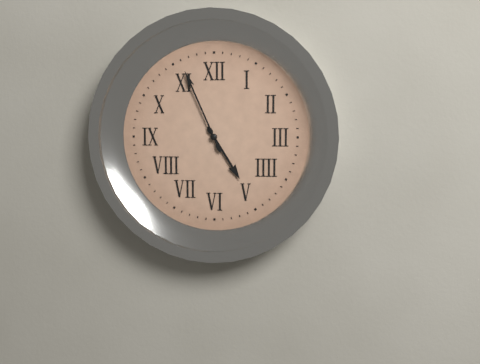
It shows h=4 m=56
